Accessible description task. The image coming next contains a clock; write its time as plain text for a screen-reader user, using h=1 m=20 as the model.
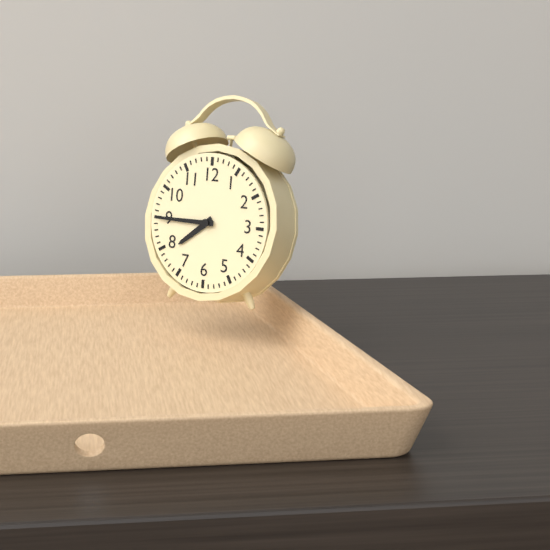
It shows h=7 m=45
